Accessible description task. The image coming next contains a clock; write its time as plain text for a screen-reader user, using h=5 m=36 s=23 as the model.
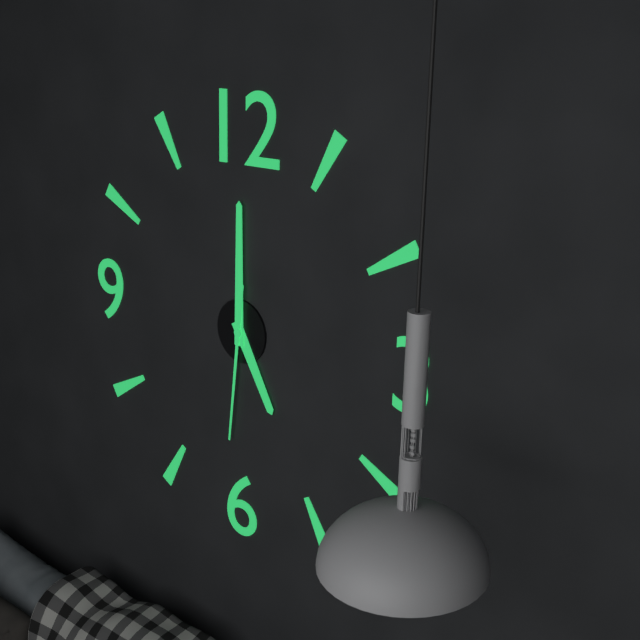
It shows h=5 m=0 s=31
